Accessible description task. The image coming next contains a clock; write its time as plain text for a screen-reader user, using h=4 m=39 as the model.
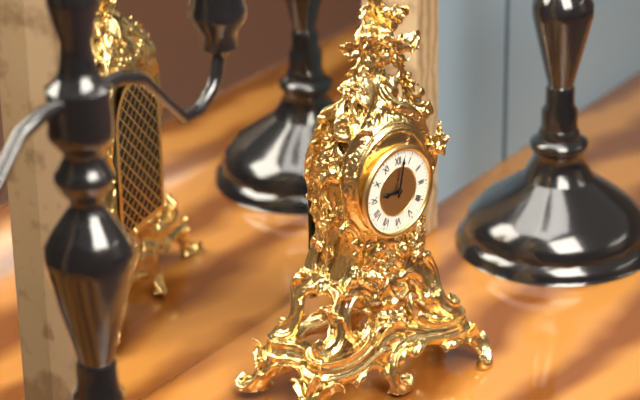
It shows h=9 m=2
